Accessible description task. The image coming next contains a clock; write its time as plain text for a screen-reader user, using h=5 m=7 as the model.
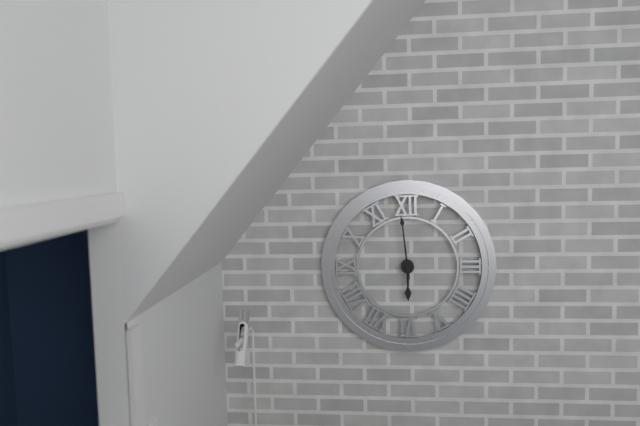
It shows h=5 m=59
